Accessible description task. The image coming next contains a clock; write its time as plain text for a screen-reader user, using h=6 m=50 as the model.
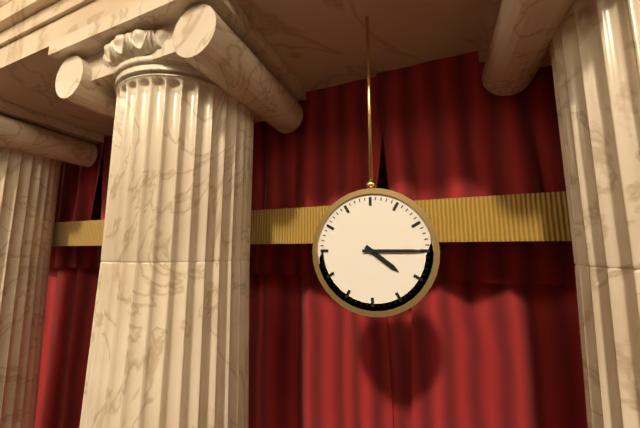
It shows h=4 m=15
